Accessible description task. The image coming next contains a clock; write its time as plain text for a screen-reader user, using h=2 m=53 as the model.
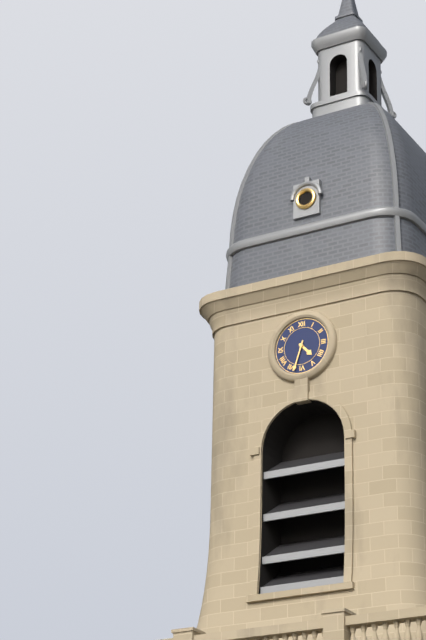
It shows h=4 m=33
